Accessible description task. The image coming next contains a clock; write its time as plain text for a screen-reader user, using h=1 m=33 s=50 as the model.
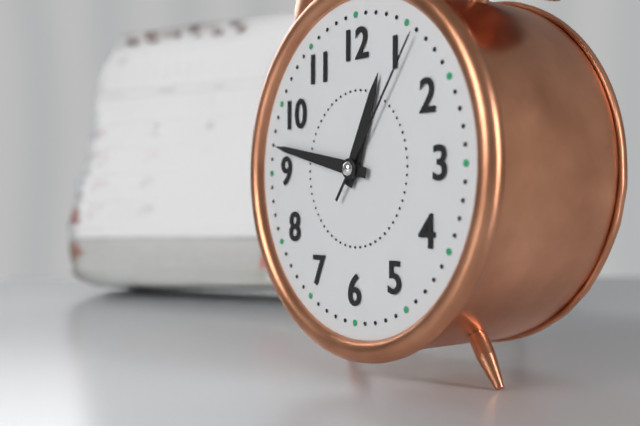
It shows h=12 m=47 s=6
